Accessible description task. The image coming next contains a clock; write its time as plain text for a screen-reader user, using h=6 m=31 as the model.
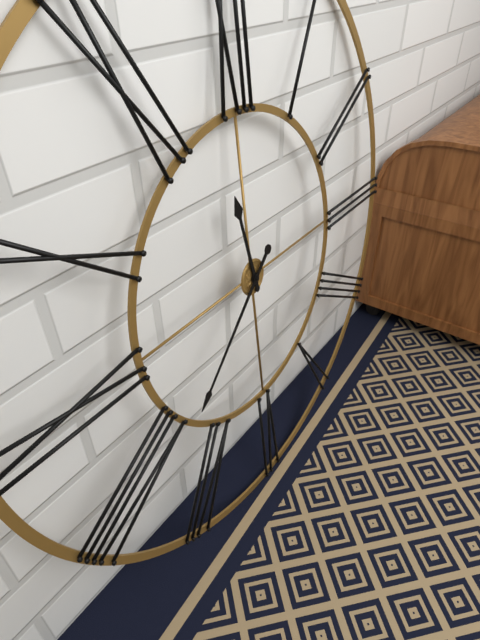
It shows h=11 m=38
